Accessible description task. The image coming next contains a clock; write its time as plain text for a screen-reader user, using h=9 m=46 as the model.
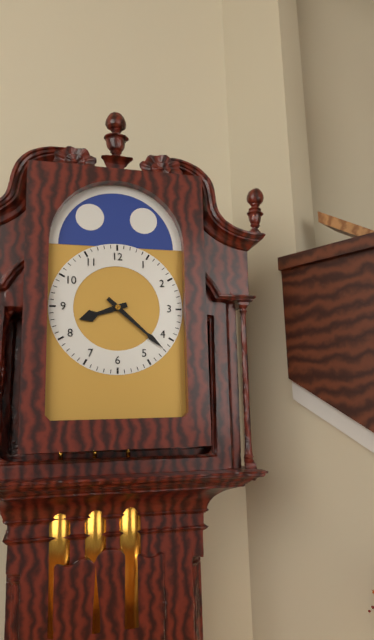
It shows h=8 m=22
